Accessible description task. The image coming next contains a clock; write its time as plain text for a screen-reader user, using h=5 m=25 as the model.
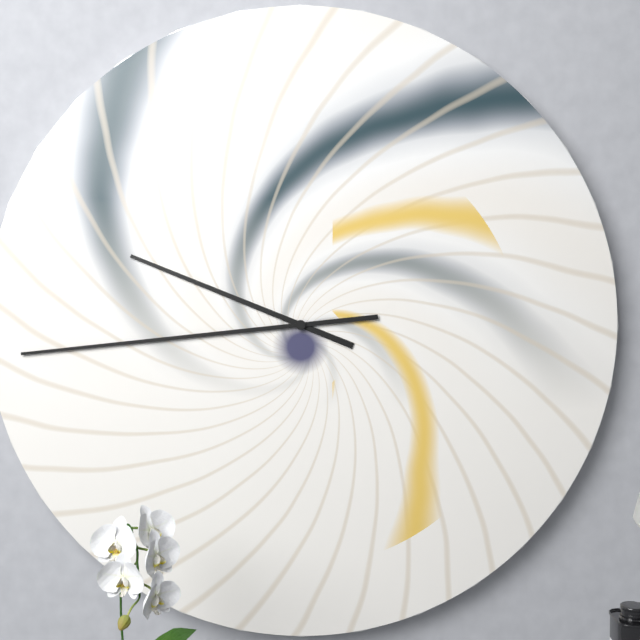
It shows h=9 m=44
